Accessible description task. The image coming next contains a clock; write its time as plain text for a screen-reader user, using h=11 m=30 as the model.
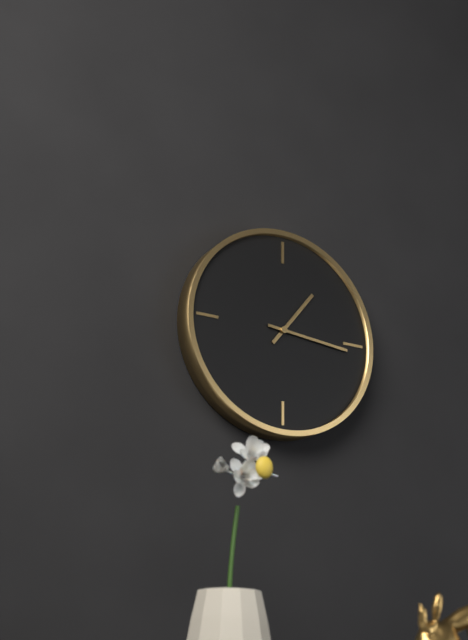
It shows h=1 m=16
